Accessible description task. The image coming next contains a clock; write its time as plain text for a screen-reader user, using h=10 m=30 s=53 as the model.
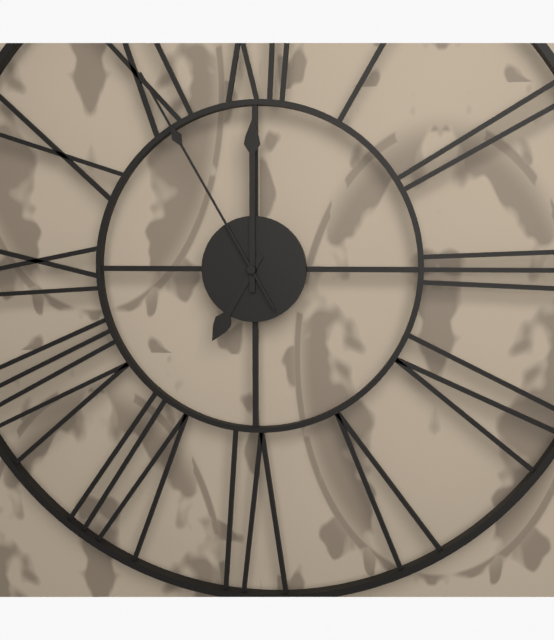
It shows h=7 m=0 s=55
